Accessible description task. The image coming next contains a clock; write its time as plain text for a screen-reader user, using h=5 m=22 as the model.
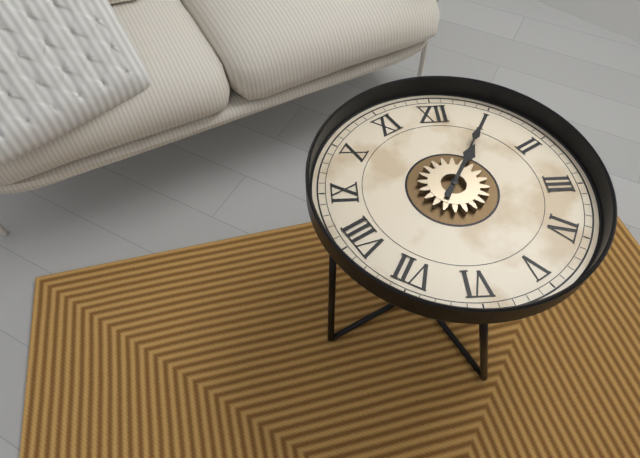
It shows h=1 m=5
